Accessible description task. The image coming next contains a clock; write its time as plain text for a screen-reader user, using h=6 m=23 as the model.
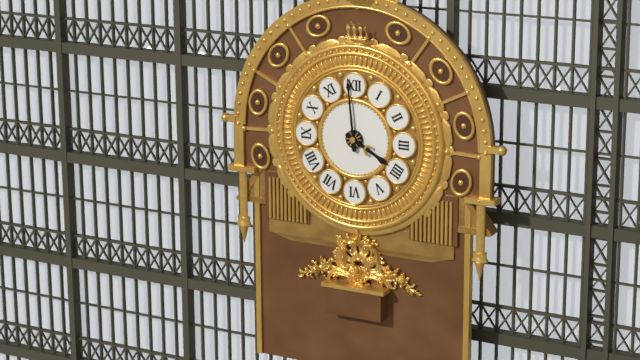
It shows h=3 m=59
